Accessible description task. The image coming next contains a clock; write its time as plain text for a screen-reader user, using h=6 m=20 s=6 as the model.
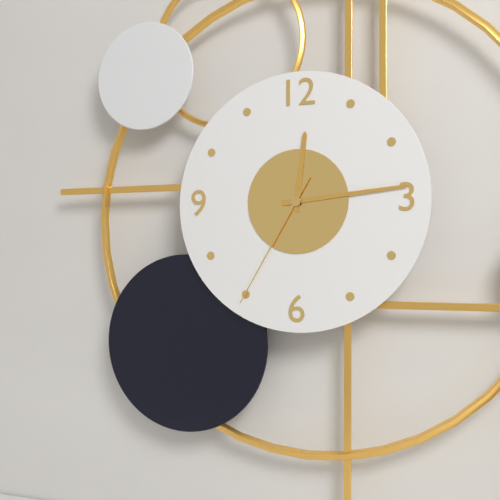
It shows h=12 m=14 s=35
